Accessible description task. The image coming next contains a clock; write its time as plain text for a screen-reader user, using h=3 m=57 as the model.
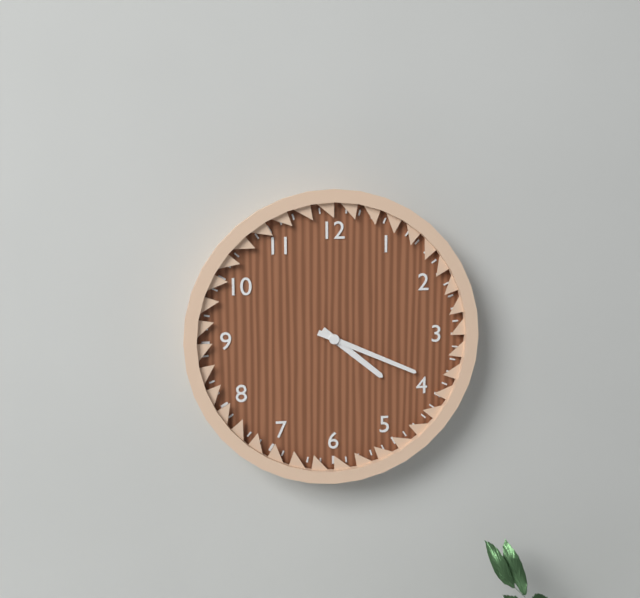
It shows h=4 m=19
